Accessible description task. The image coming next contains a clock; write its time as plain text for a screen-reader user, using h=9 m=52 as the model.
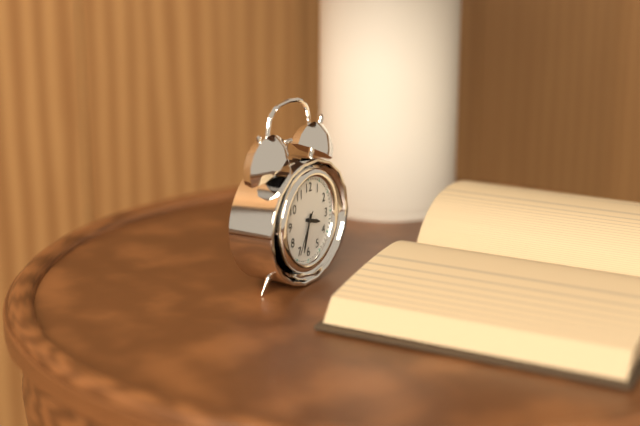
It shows h=3 m=33
